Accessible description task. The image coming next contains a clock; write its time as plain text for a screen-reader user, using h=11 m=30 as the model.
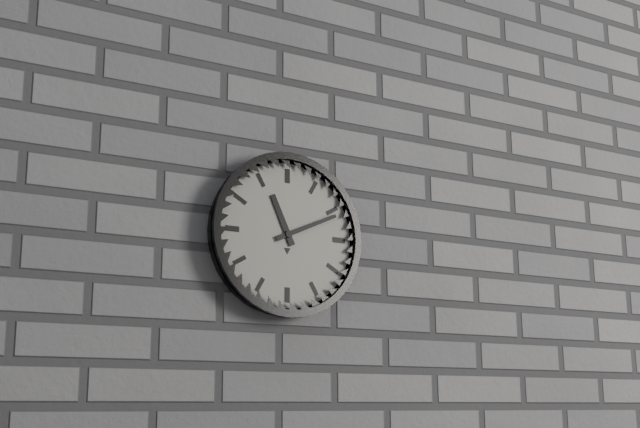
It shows h=11 m=11
